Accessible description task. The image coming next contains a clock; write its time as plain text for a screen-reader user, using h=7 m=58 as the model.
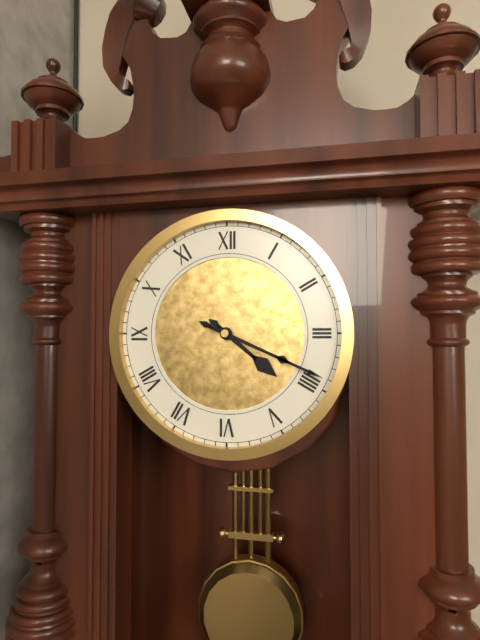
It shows h=4 m=19
